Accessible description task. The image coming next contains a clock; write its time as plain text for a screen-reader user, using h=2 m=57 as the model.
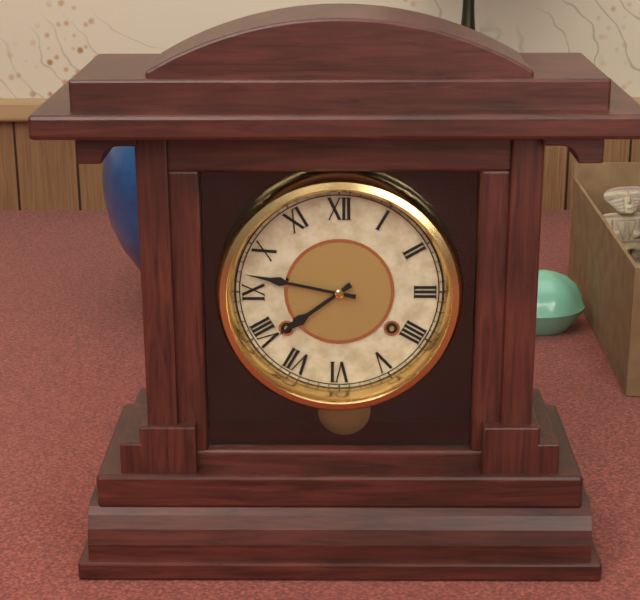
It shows h=7 m=47
